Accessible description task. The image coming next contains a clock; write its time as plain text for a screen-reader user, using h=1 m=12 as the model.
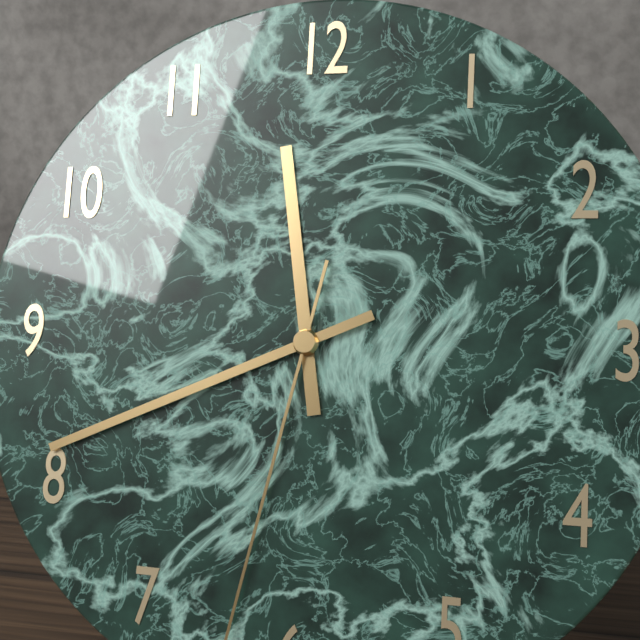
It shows h=11 m=41
